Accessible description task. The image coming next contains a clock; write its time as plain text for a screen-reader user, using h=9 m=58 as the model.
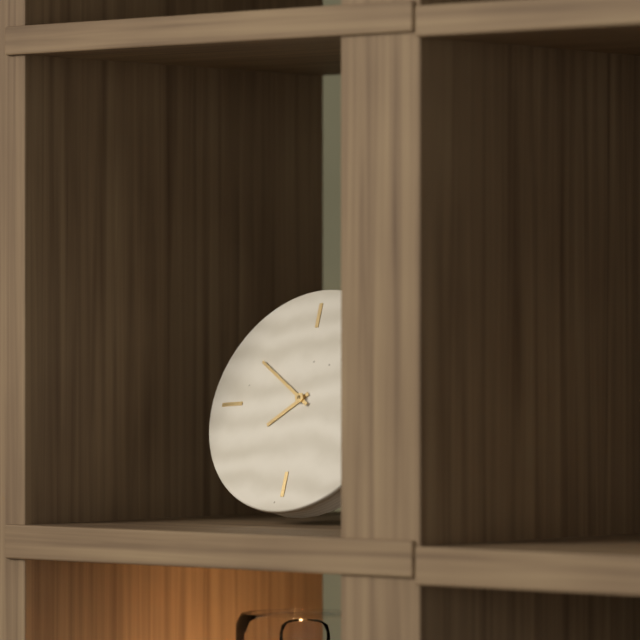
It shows h=7 m=51
